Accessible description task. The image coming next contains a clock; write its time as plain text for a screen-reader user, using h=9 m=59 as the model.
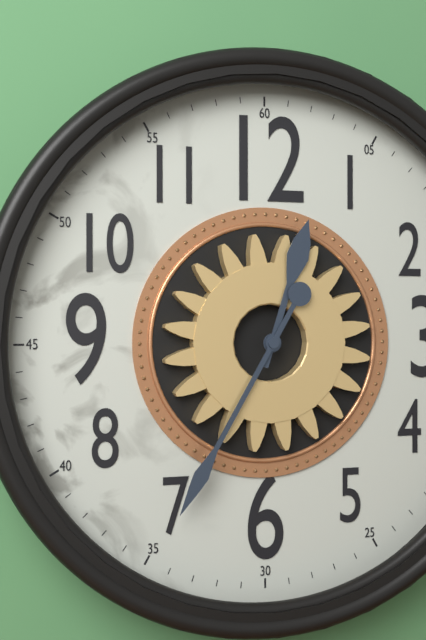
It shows h=12 m=35
